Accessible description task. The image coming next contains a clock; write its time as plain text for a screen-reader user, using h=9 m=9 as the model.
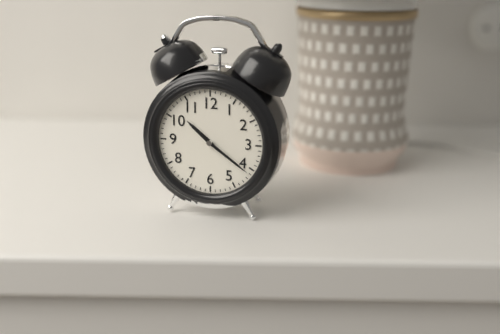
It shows h=10 m=21
